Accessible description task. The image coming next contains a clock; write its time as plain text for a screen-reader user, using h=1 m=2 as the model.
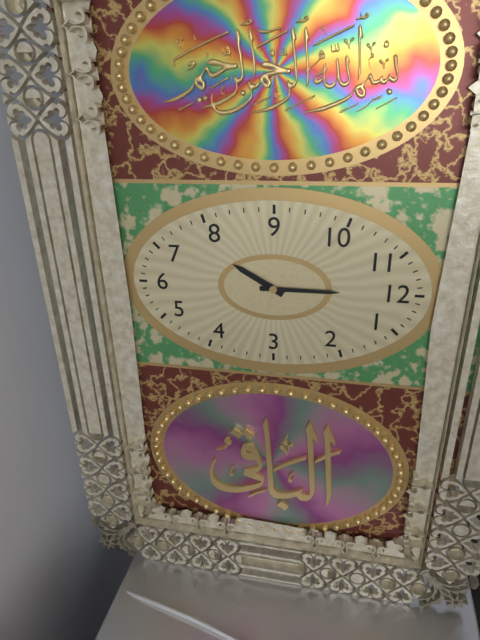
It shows h=7 m=0
